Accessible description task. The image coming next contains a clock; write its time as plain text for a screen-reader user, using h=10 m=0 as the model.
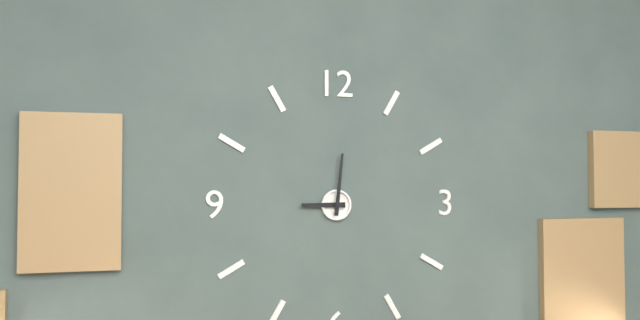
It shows h=9 m=1
